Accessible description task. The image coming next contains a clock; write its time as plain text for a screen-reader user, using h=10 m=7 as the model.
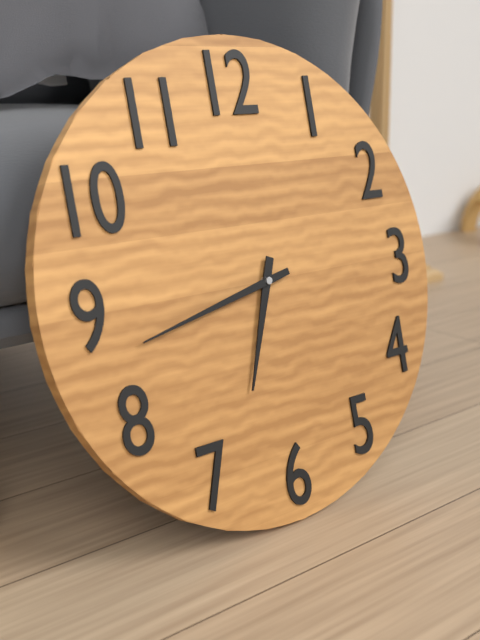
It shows h=6 m=43
